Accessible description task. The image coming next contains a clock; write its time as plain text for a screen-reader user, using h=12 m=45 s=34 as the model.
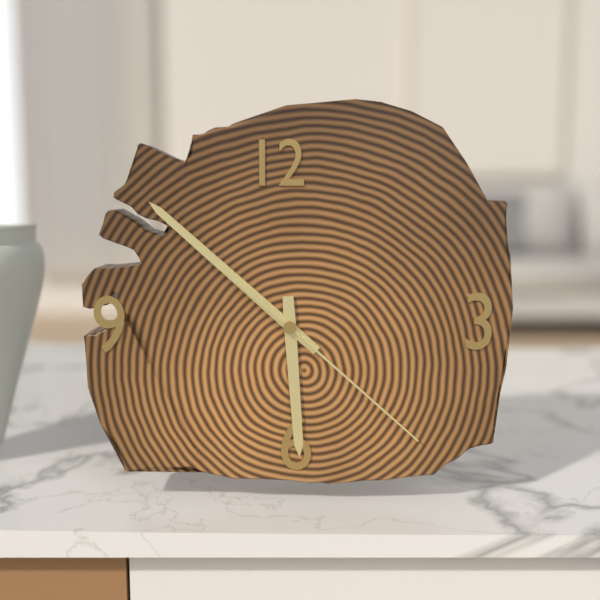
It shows h=5 m=52 s=22
